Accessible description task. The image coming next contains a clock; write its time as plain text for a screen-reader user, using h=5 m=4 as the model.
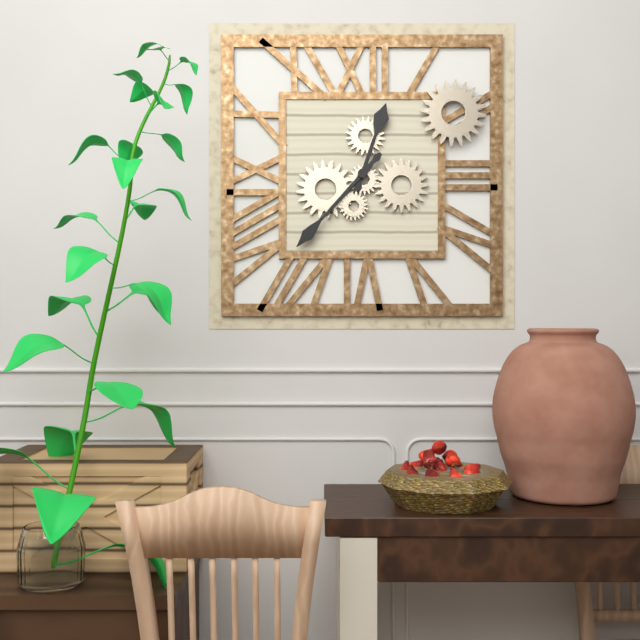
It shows h=12 m=37
